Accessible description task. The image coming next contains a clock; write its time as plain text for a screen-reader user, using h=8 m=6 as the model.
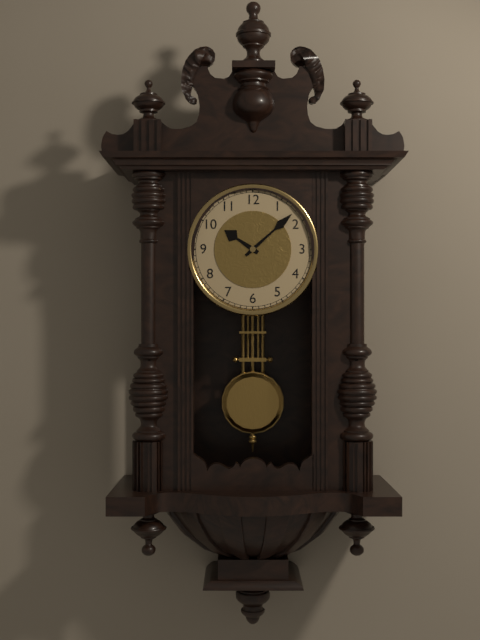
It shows h=10 m=8
